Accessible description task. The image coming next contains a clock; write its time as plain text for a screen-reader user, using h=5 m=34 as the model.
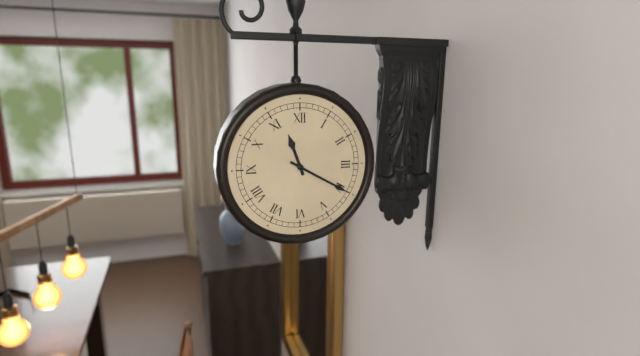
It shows h=11 m=20
